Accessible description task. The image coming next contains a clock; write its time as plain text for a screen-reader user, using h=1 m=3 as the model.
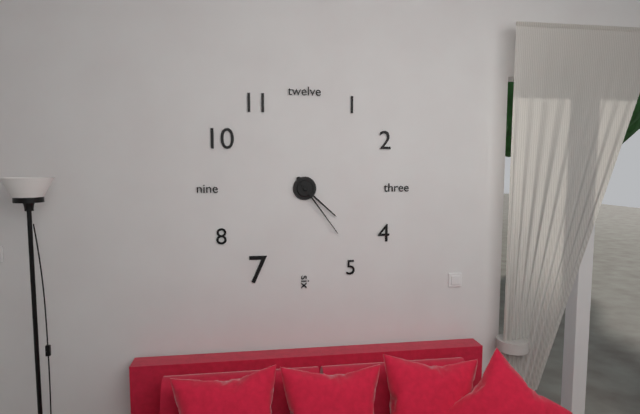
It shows h=4 m=24
